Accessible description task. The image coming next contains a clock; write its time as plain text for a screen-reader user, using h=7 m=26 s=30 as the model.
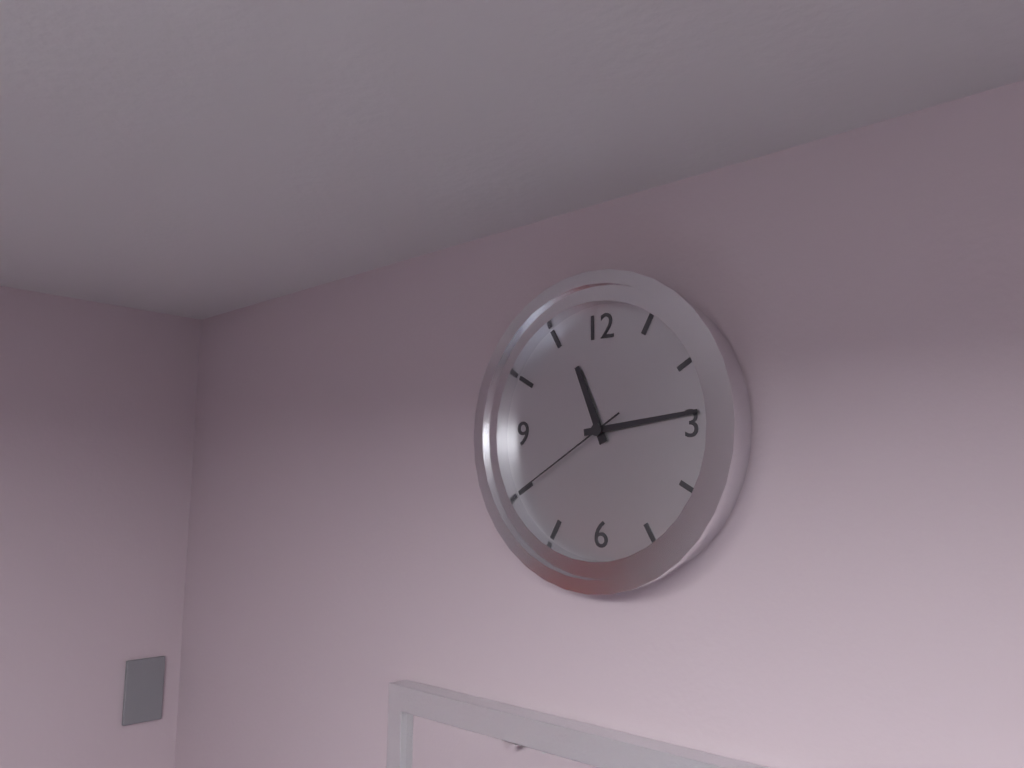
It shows h=11 m=14 s=40
